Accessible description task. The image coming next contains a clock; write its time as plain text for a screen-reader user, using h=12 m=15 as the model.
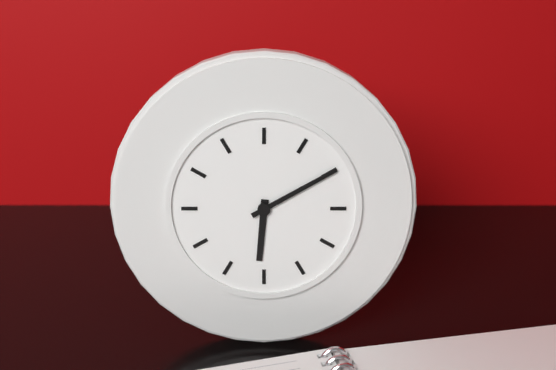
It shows h=6 m=10
